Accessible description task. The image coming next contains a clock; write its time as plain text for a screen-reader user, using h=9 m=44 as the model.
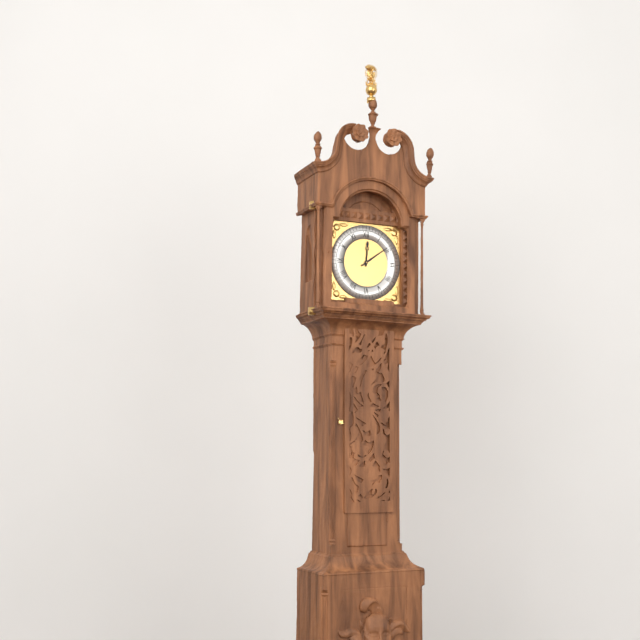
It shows h=12 m=9
